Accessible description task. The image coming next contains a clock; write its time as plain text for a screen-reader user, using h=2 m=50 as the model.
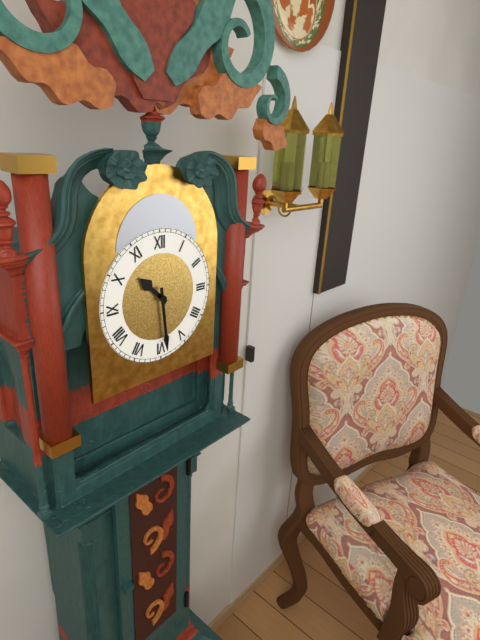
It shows h=10 m=29
